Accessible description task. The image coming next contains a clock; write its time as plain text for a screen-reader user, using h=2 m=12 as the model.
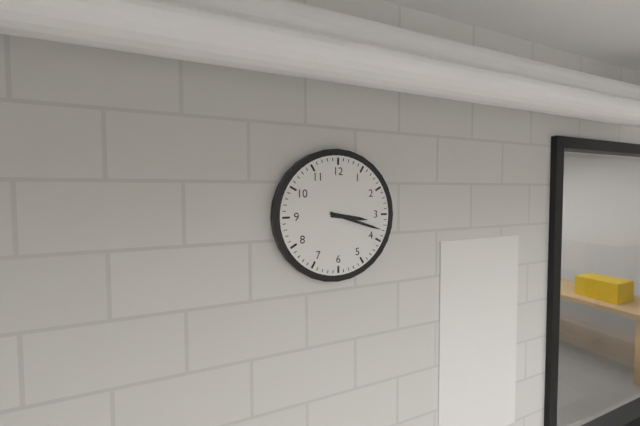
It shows h=3 m=18
